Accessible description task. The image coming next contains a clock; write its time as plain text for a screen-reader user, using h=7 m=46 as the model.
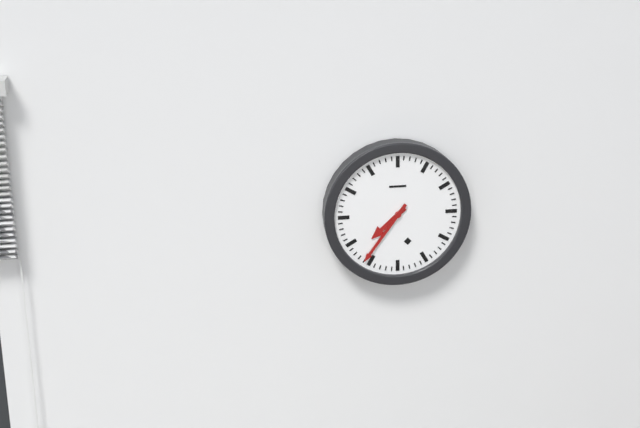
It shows h=7 m=36
